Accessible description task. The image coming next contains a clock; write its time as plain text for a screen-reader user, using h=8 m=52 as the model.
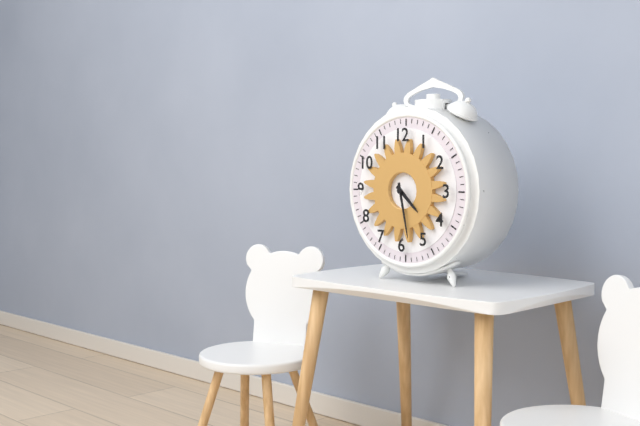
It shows h=4 m=28
